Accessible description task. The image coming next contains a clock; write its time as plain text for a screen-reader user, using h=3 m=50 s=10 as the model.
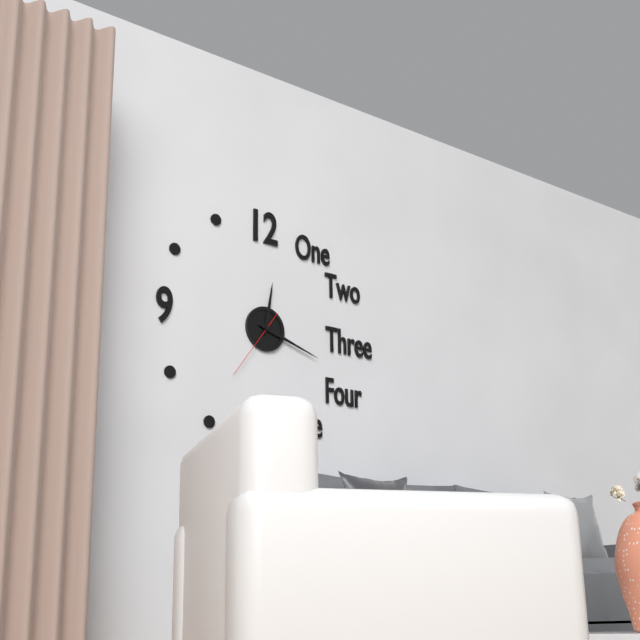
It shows h=12 m=18 s=36
